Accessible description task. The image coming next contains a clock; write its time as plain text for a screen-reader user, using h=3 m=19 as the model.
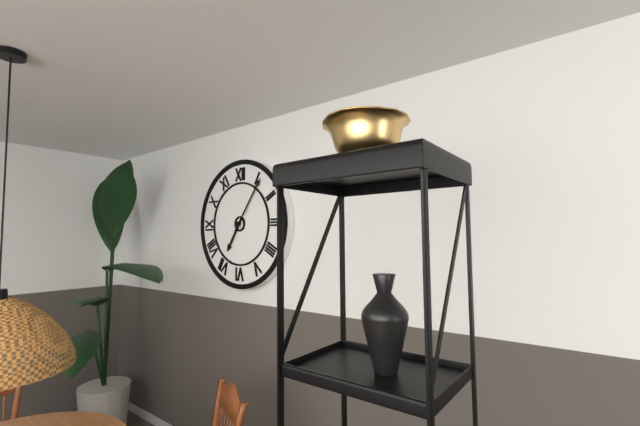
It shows h=7 m=6
